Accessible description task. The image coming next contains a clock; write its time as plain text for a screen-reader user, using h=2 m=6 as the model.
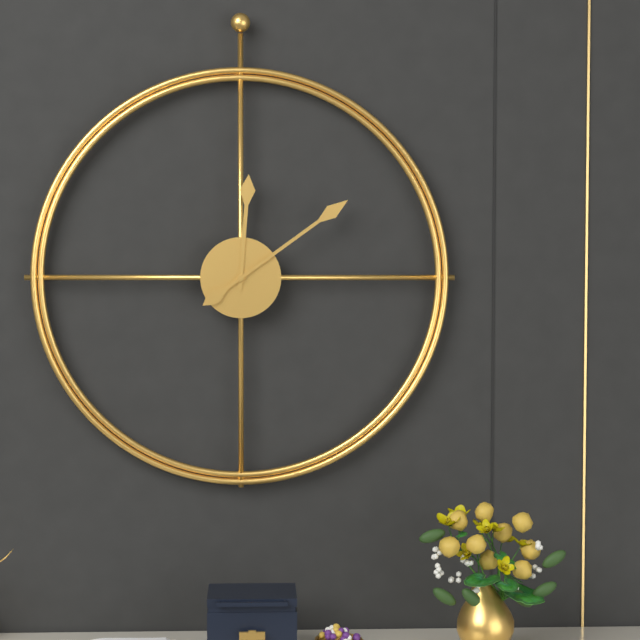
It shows h=12 m=9
